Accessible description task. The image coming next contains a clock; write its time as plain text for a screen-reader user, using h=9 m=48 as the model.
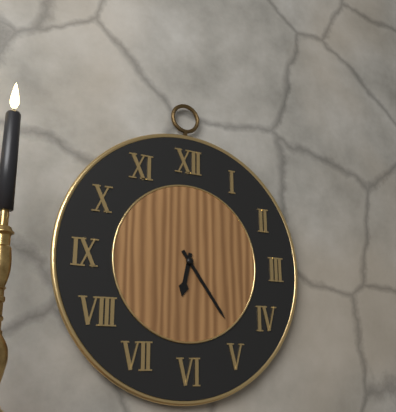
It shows h=6 m=24
